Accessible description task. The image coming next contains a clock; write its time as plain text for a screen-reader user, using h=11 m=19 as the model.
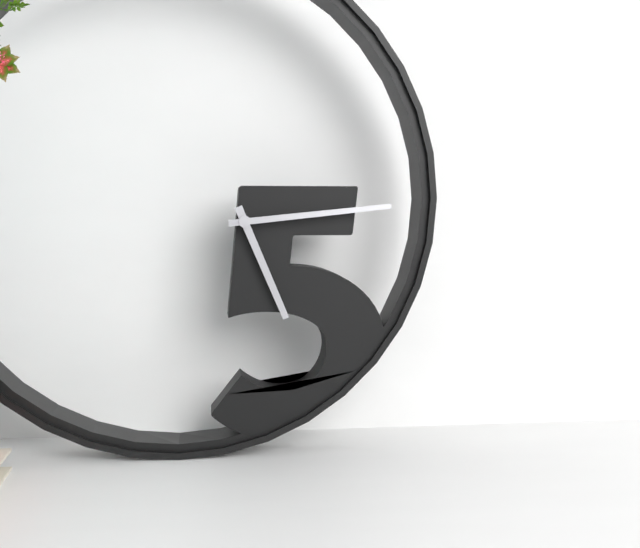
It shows h=5 m=14
